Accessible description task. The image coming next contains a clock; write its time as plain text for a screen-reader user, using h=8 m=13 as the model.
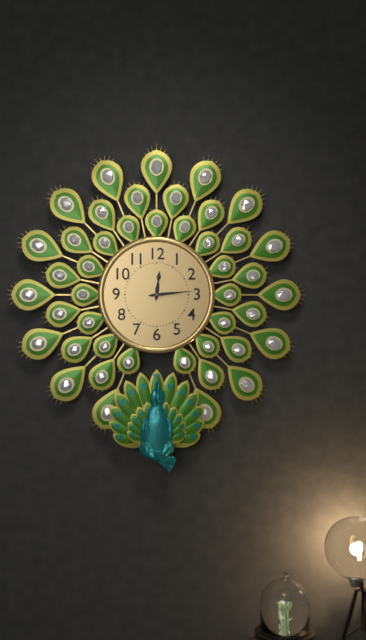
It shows h=12 m=14
